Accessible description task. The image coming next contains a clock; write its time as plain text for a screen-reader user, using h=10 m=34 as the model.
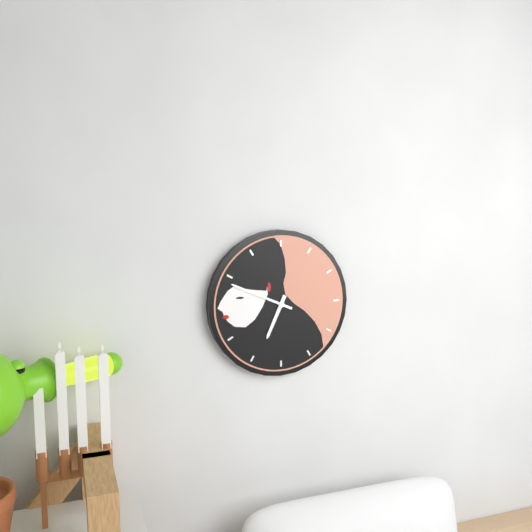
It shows h=6 m=49
